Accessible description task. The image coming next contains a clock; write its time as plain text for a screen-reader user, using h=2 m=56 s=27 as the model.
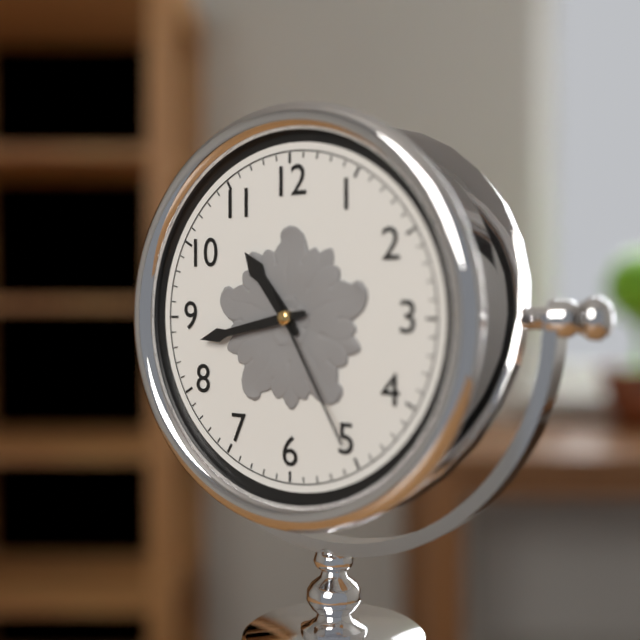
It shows h=10 m=43 s=25
